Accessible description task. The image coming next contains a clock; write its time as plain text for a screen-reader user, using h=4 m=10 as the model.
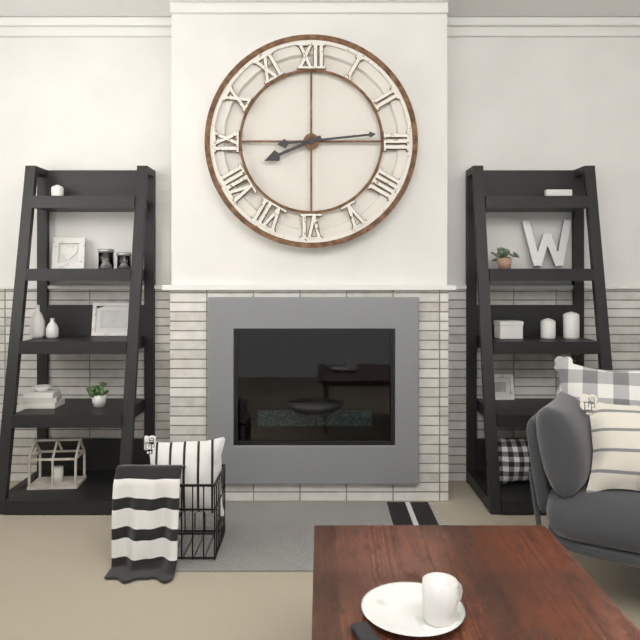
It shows h=8 m=14
